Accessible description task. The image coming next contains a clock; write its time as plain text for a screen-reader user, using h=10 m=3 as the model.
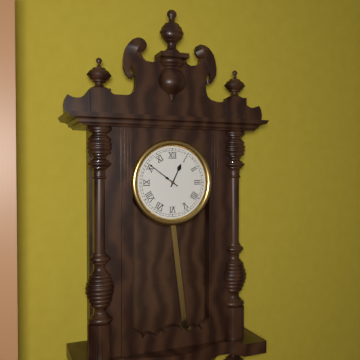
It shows h=12 m=51
